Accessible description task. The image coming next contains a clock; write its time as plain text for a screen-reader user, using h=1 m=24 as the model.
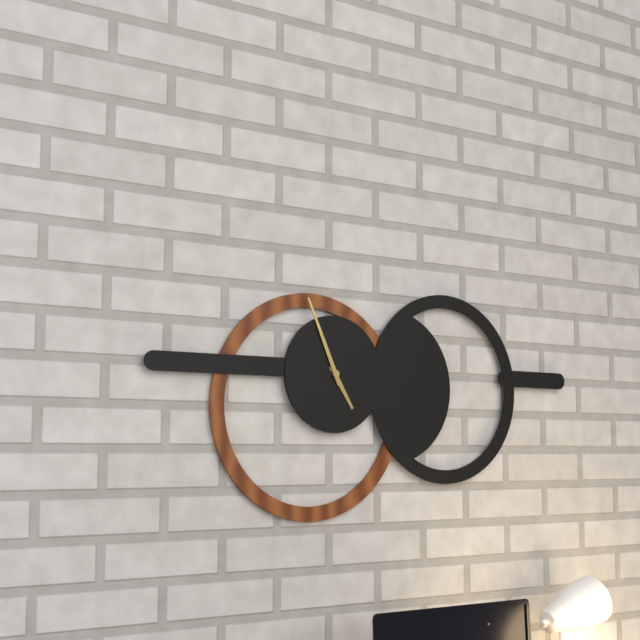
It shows h=4 m=56
